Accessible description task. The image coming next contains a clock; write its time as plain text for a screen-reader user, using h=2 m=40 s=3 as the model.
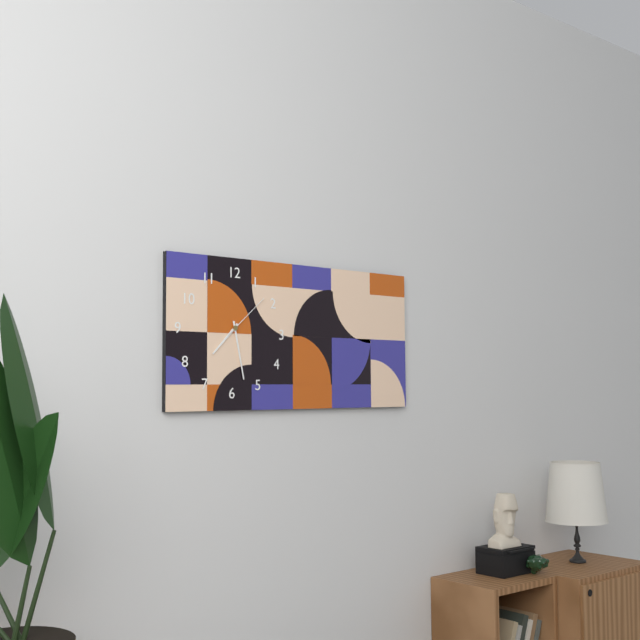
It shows h=7 m=28 s=8
